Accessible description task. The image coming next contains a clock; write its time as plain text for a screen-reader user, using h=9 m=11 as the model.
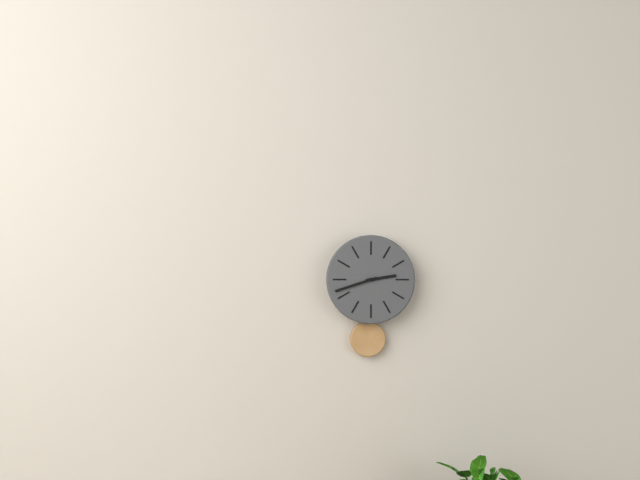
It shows h=2 m=42
